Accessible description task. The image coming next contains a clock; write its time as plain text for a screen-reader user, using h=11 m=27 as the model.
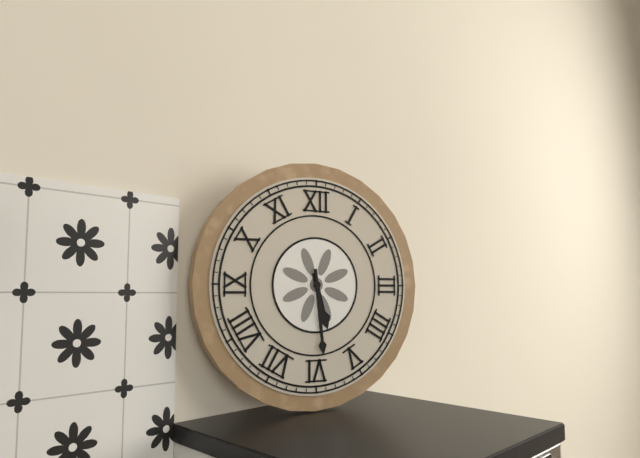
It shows h=5 m=29
